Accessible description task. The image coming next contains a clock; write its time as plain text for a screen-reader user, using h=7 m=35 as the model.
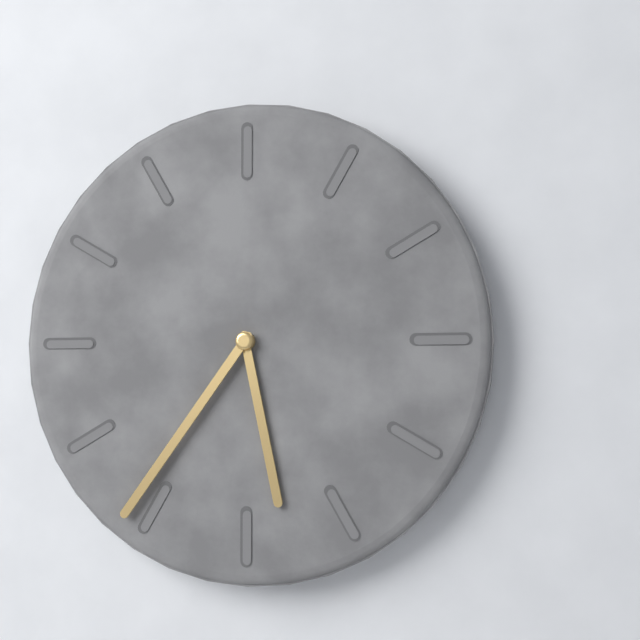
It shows h=5 m=36
